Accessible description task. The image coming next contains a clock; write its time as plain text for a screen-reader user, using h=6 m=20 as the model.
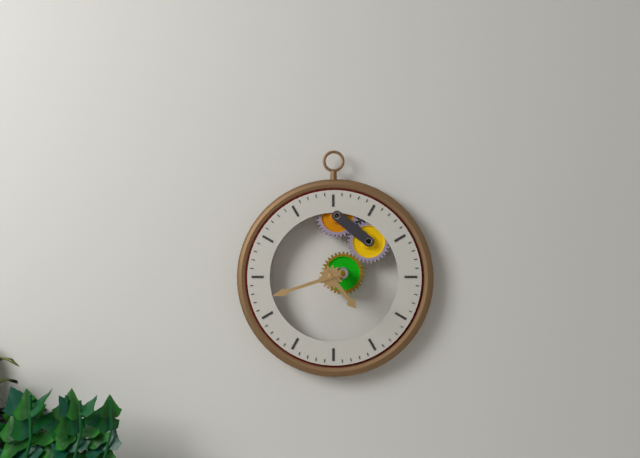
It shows h=4 m=42
